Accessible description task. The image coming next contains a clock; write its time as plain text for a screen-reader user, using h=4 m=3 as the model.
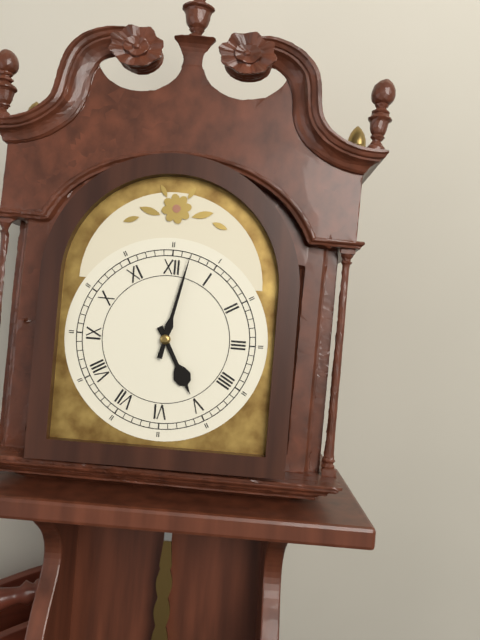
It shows h=5 m=2
